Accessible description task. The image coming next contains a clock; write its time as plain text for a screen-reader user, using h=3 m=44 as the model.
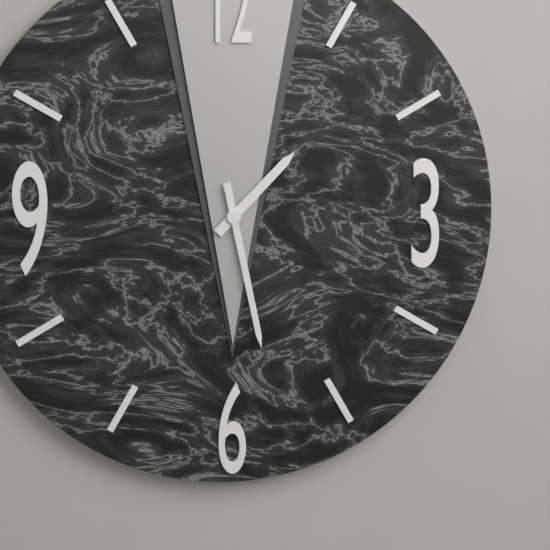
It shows h=1 m=28
